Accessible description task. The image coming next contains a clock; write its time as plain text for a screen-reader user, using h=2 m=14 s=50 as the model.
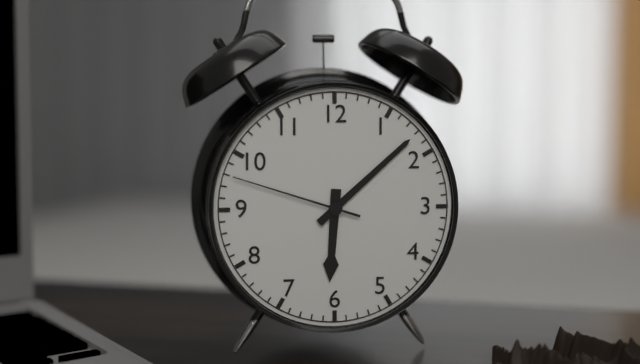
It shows h=6 m=8 s=48
